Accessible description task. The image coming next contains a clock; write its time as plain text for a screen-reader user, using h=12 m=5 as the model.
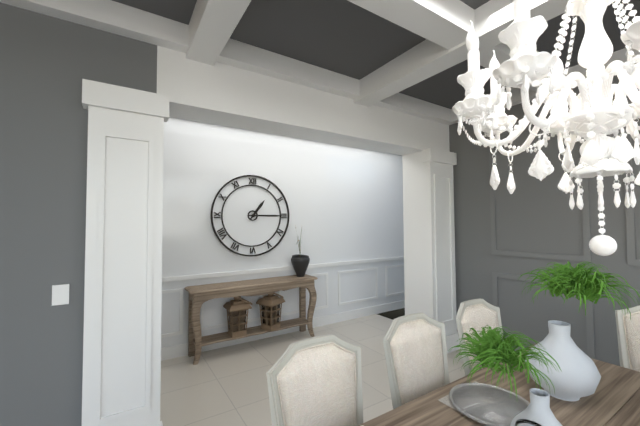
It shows h=1 m=15
